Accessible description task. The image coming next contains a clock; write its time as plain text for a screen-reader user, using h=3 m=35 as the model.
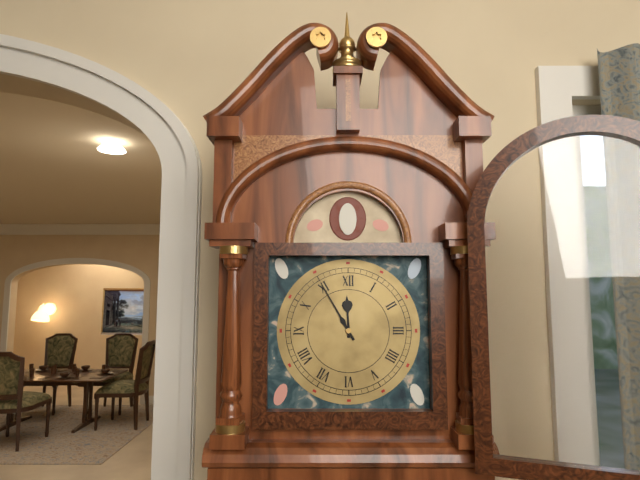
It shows h=11 m=55
